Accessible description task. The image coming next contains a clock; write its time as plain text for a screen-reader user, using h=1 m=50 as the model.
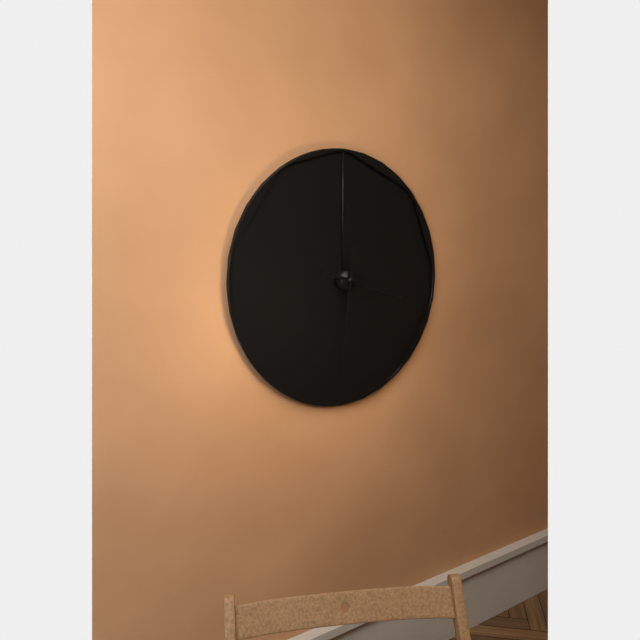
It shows h=3 m=31
